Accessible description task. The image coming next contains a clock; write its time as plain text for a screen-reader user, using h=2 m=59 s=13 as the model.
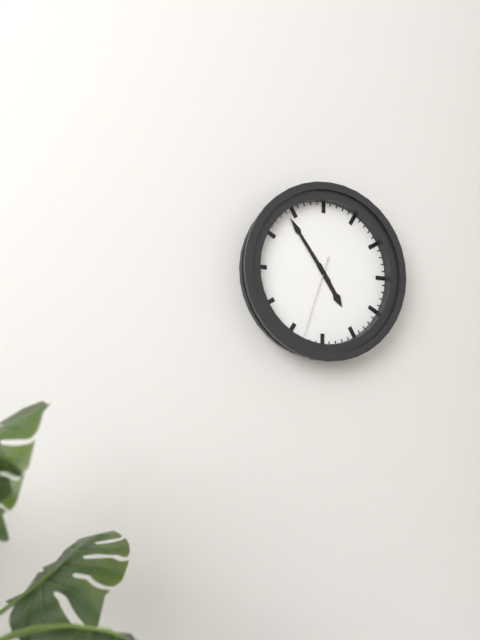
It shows h=4 m=54 s=33
